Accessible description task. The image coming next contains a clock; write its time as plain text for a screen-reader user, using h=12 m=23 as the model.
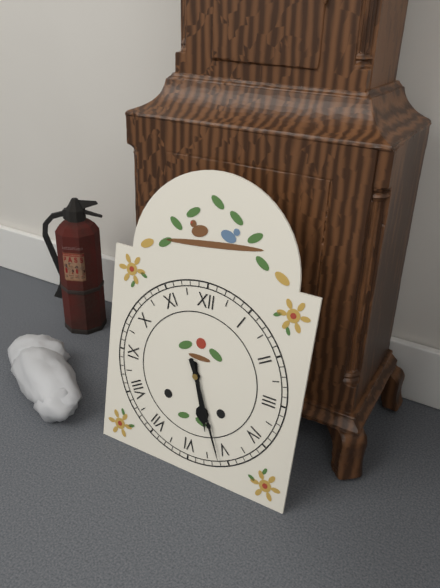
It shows h=5 m=26
